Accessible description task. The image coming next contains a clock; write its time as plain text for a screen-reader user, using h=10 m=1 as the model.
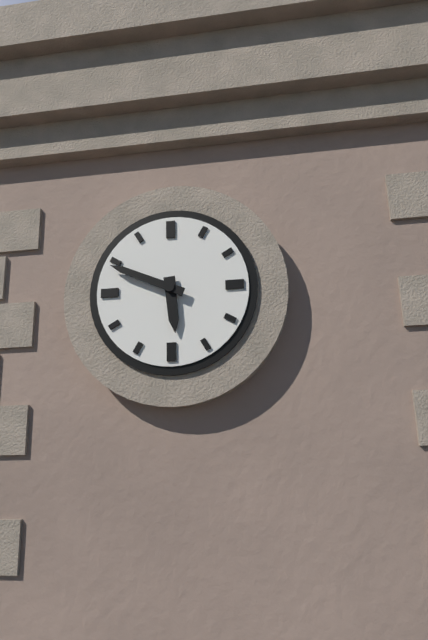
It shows h=5 m=49
